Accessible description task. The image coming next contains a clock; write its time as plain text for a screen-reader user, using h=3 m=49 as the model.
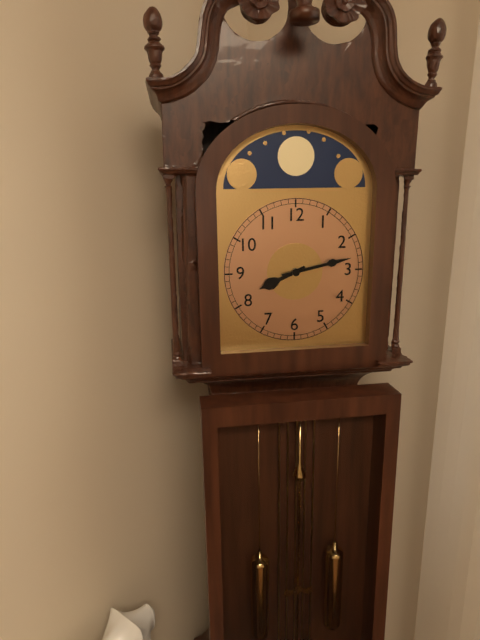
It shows h=8 m=13
